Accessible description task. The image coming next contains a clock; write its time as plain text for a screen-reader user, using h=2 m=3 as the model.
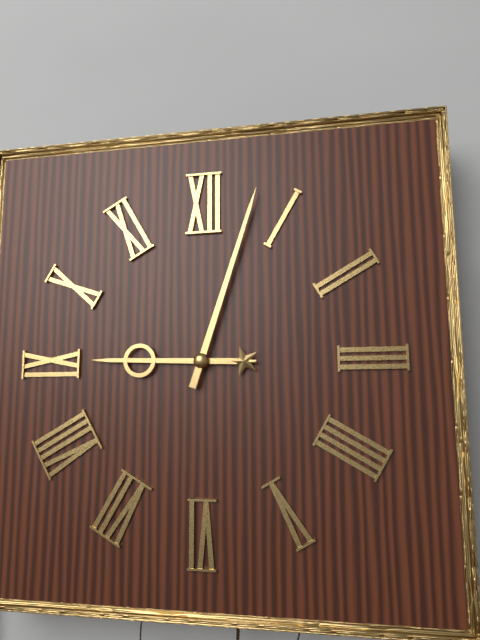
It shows h=9 m=3
